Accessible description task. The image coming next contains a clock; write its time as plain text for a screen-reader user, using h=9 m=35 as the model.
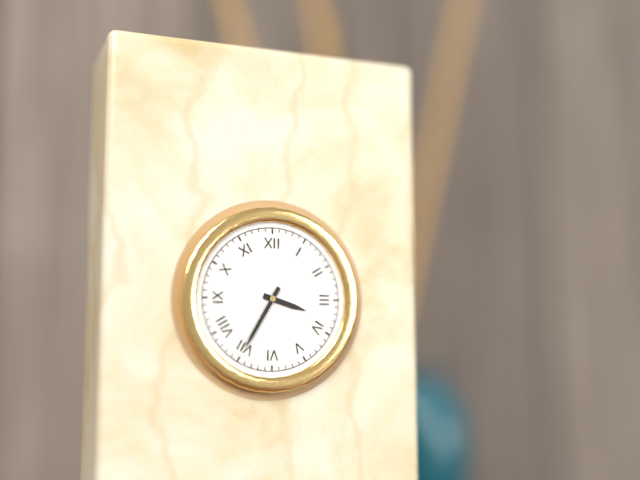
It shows h=3 m=35
